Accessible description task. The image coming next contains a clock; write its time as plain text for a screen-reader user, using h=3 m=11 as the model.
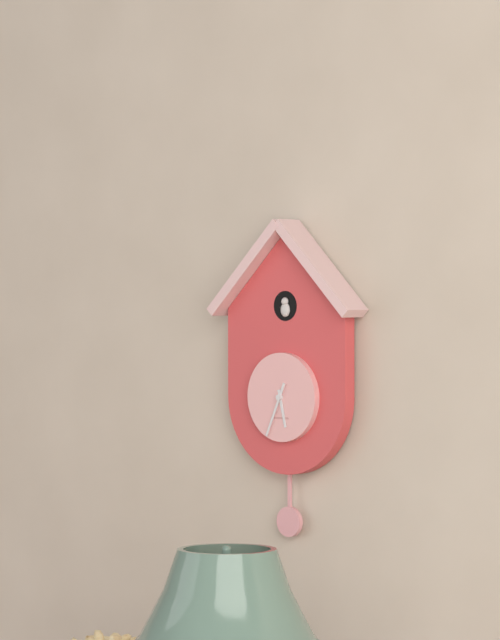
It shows h=5 m=34
